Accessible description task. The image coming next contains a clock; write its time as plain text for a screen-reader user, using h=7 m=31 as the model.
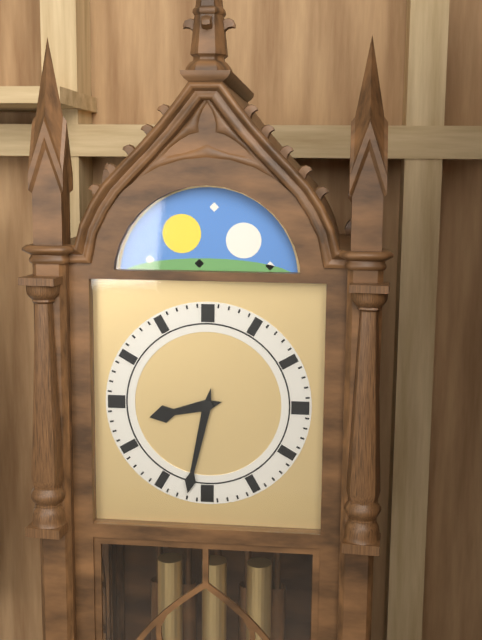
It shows h=8 m=32
